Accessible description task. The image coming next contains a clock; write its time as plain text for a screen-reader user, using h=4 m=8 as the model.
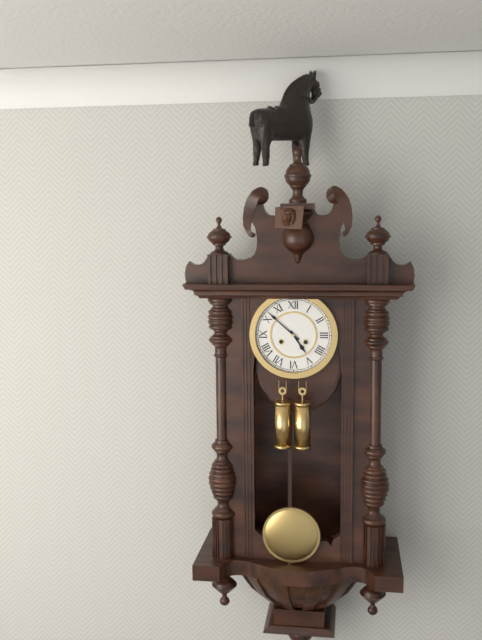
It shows h=4 m=52
